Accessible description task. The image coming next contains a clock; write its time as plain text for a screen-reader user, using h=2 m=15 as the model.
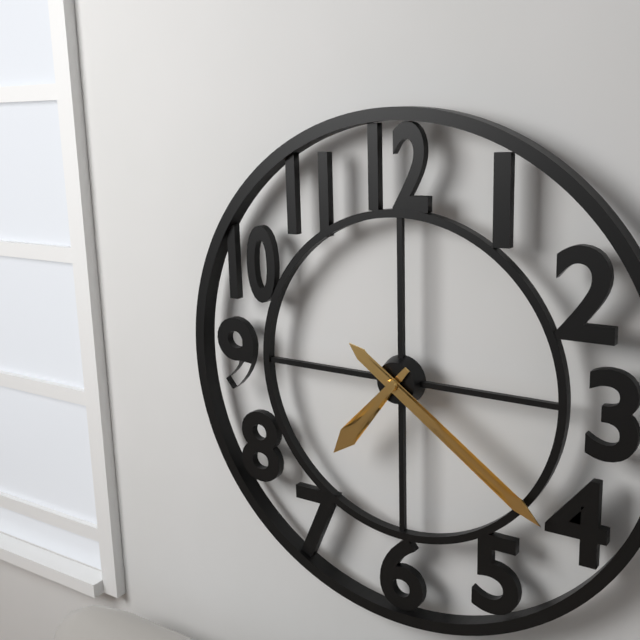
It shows h=7 m=21
